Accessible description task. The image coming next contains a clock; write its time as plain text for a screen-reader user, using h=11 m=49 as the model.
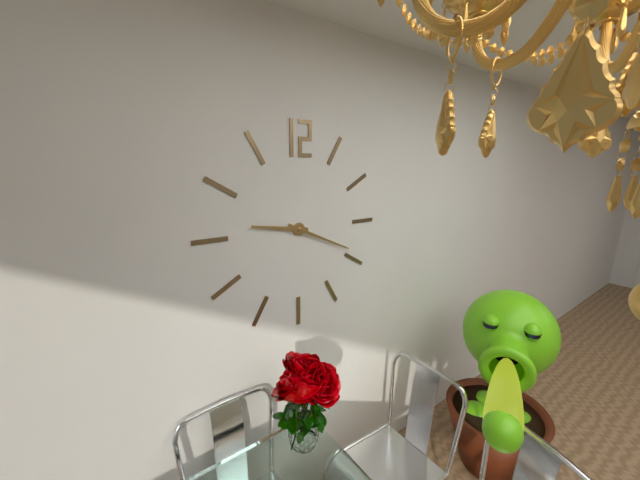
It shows h=9 m=19
